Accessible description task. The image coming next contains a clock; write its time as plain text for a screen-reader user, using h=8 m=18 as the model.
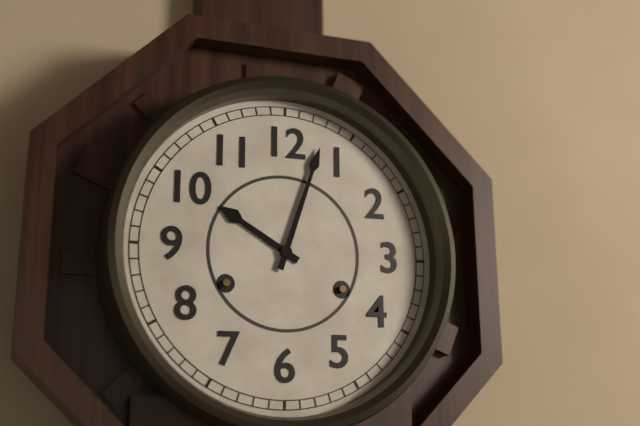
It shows h=10 m=3
